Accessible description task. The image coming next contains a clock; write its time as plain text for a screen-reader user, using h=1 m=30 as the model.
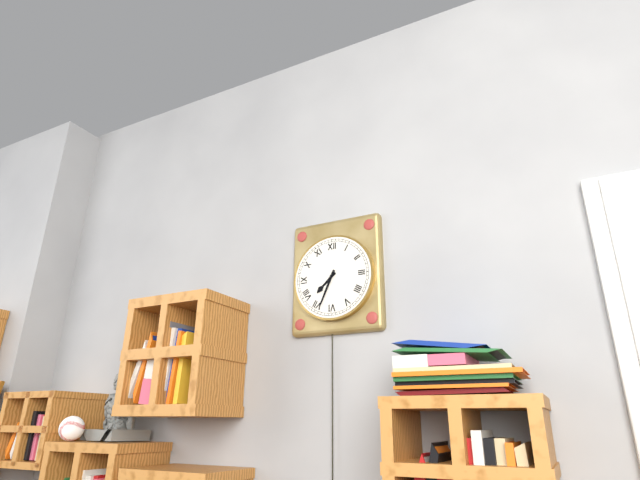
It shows h=7 m=34
